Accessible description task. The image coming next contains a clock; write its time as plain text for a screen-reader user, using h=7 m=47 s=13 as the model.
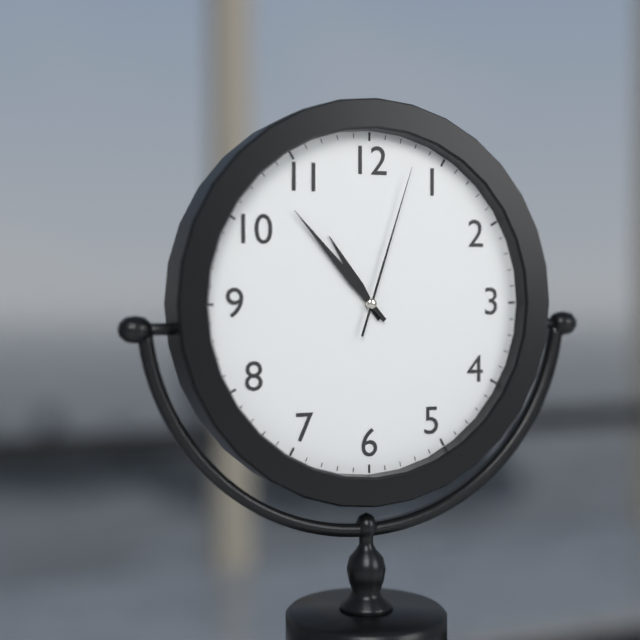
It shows h=10 m=53 s=3
